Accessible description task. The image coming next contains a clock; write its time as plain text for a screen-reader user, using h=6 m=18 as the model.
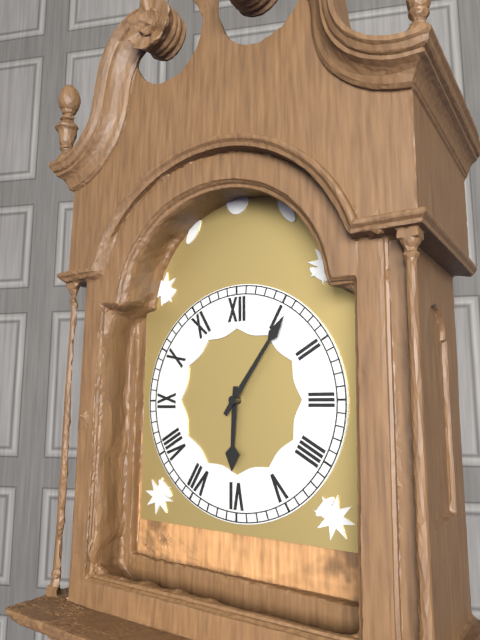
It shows h=6 m=6
